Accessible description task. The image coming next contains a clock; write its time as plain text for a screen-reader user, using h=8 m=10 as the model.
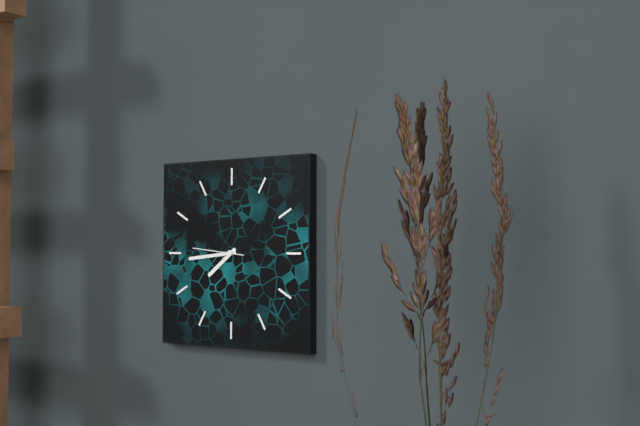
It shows h=7 m=44
